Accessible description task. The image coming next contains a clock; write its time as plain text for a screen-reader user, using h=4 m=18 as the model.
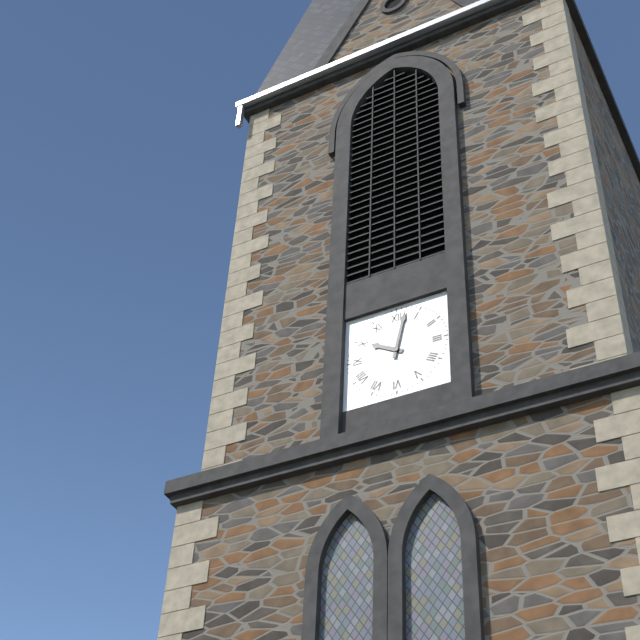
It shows h=10 m=2
